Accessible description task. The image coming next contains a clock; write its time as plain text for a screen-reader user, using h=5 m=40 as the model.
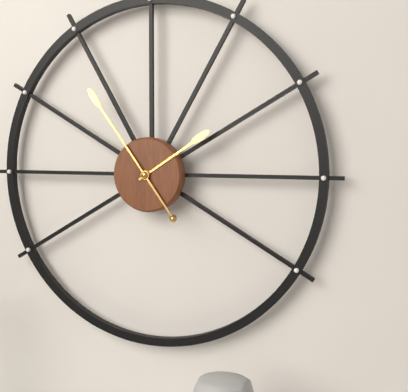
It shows h=1 m=54
